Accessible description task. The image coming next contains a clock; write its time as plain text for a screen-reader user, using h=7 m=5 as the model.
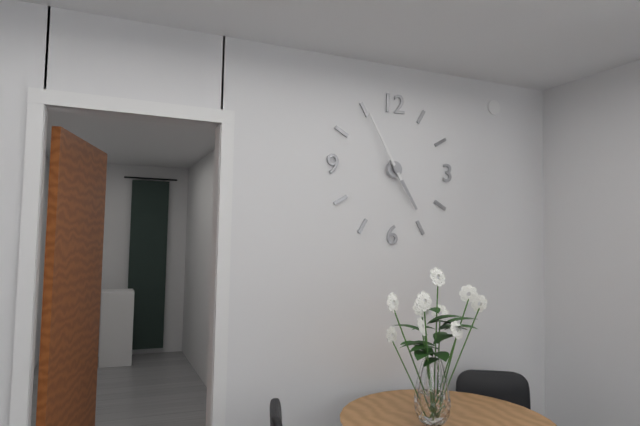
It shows h=4 m=55
